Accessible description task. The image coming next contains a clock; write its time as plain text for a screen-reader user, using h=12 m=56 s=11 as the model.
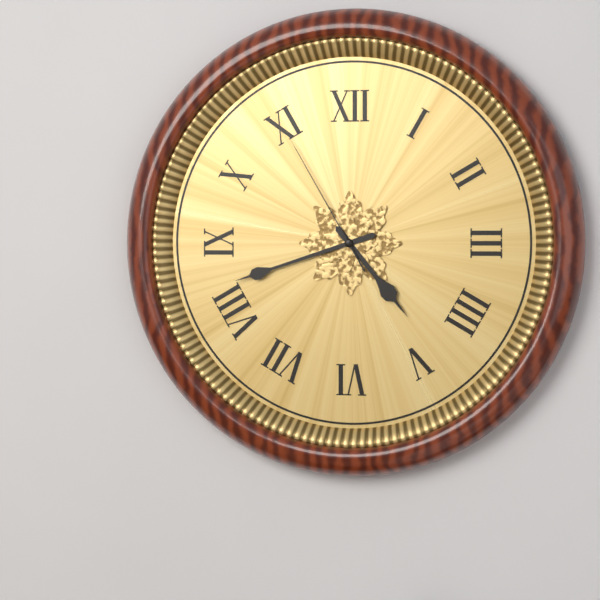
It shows h=4 m=42 s=55
